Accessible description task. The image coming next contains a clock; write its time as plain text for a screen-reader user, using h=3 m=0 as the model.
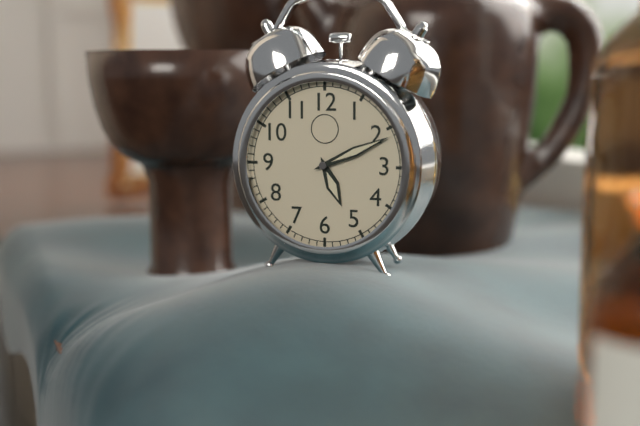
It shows h=5 m=11
